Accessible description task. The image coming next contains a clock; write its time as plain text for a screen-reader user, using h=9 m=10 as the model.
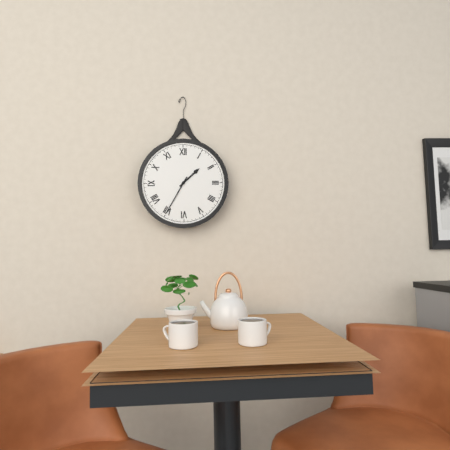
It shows h=1 m=35
